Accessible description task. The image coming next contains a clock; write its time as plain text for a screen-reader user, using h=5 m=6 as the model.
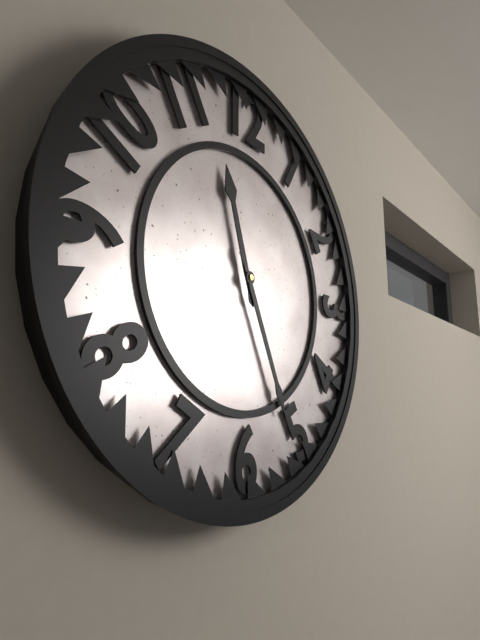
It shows h=11 m=26
